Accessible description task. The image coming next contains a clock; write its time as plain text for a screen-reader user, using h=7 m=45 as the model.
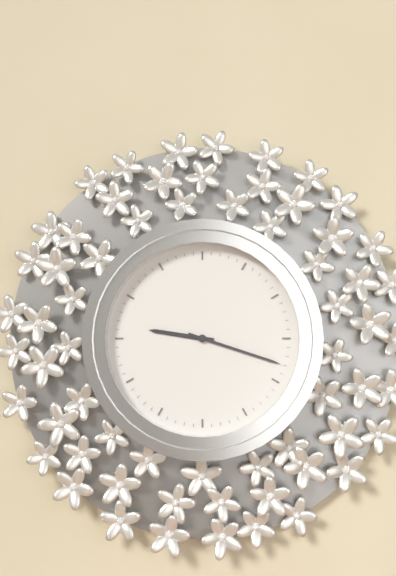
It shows h=9 m=18
